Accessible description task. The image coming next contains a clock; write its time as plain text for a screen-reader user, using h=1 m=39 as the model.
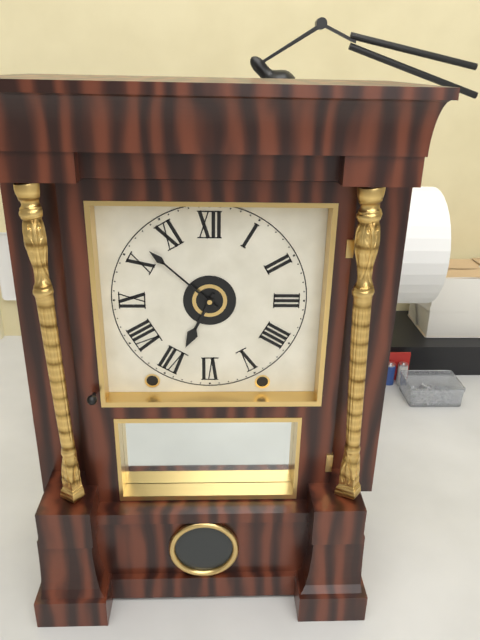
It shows h=6 m=52
